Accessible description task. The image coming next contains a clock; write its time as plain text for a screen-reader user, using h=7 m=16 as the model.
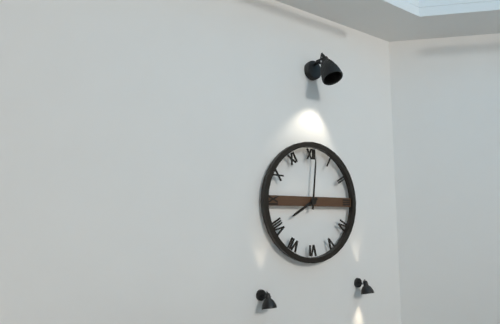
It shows h=8 m=1
